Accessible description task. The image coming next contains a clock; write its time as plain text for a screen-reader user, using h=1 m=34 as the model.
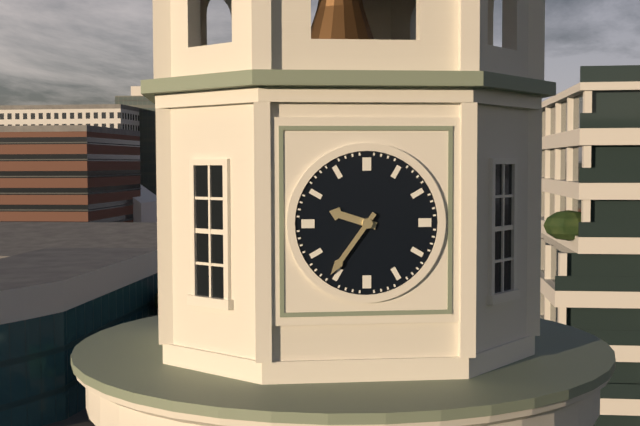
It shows h=9 m=36
